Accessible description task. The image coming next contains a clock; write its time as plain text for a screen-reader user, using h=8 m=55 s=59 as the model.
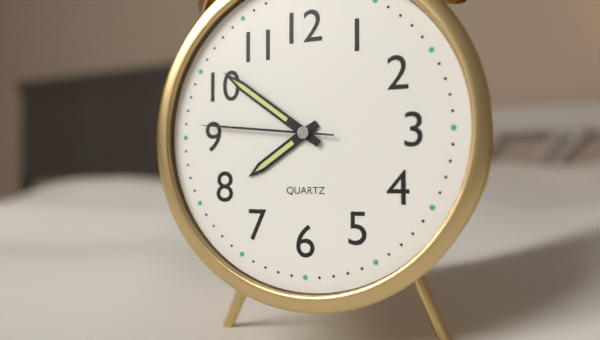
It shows h=7 m=51 s=46
